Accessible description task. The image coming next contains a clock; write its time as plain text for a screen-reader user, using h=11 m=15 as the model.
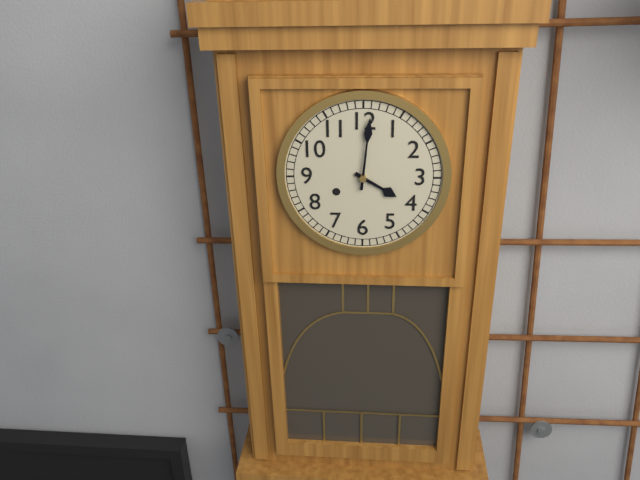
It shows h=4 m=1
